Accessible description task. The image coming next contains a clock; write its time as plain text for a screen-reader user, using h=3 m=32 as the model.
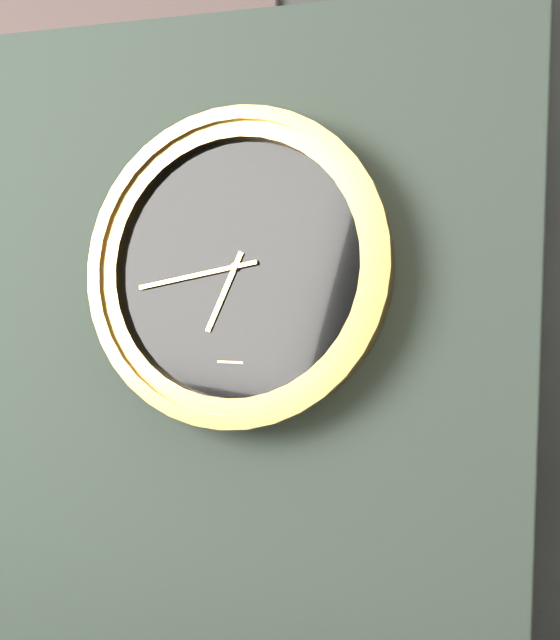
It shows h=6 m=43
